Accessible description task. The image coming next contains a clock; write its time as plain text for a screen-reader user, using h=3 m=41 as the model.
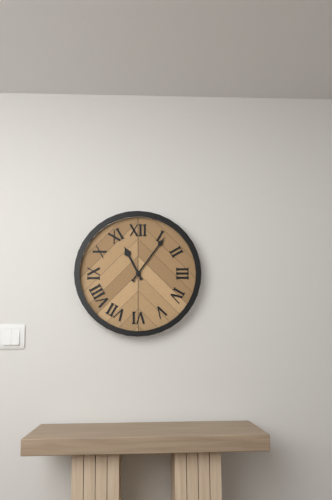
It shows h=11 m=6
